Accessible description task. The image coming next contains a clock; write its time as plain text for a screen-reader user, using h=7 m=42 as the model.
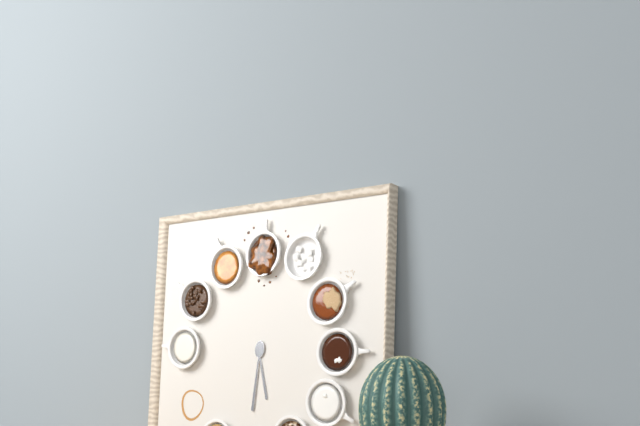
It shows h=5 m=31
